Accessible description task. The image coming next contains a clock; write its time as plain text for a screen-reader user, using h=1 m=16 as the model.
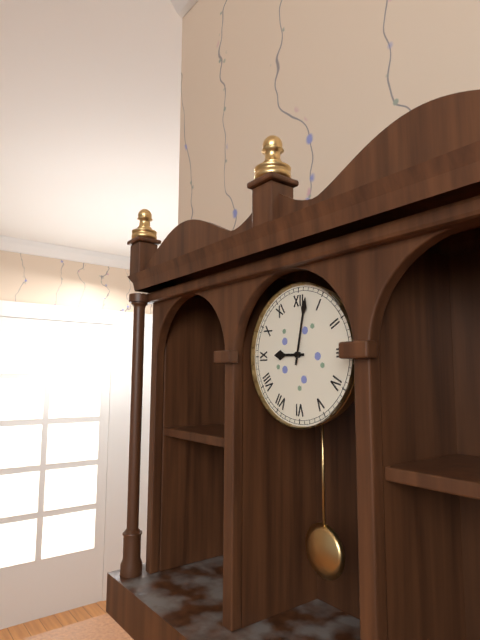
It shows h=9 m=2
